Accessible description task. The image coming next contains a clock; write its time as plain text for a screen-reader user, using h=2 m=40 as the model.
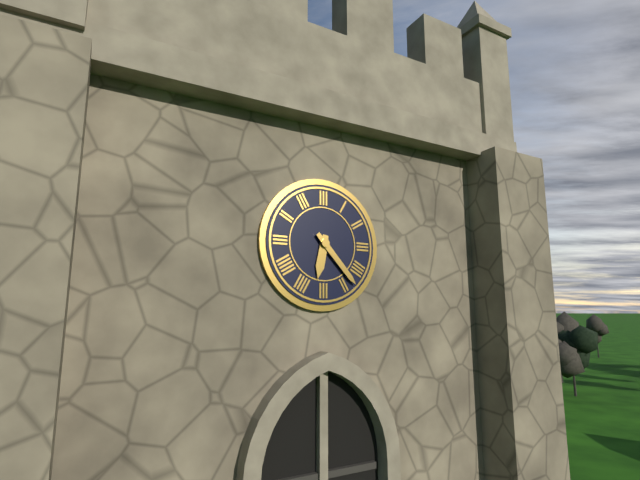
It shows h=6 m=23
